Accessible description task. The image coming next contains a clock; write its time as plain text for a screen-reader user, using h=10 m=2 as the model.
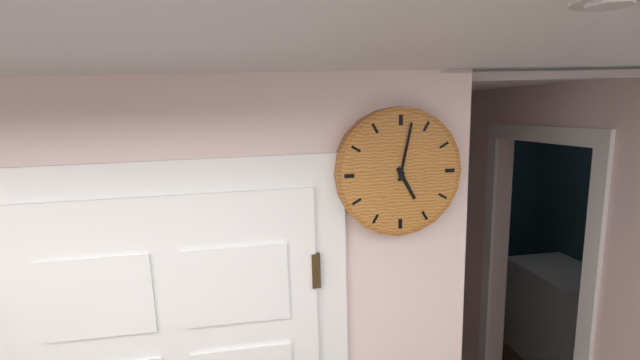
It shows h=5 m=2
